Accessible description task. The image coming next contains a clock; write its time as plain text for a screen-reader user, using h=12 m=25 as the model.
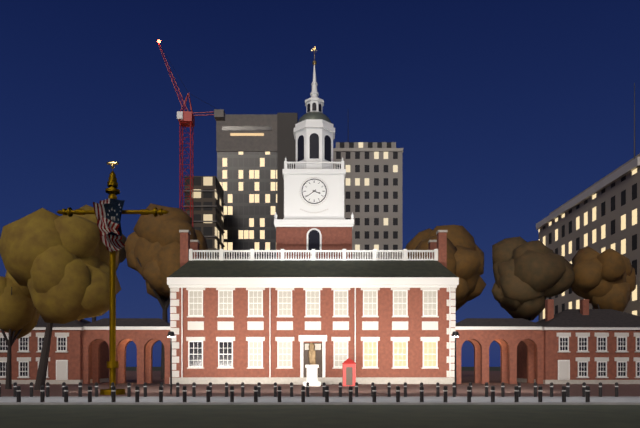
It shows h=3 m=39
